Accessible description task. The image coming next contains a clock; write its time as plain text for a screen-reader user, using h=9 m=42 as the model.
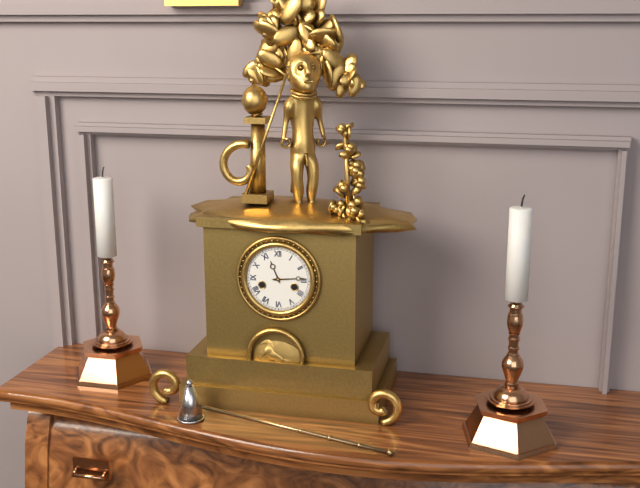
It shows h=11 m=14
